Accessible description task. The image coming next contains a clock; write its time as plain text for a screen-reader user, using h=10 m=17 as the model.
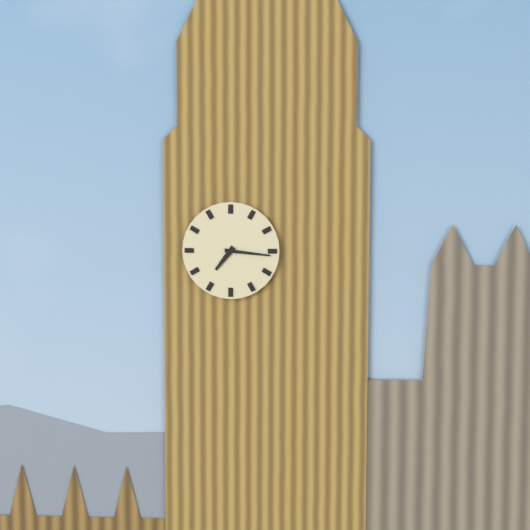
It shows h=7 m=16
